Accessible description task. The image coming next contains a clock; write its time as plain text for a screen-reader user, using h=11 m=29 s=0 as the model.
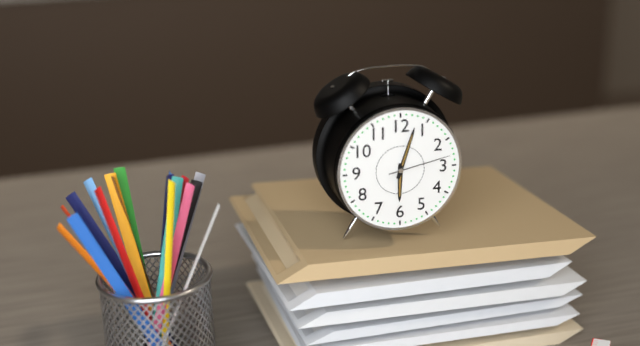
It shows h=6 m=3 s=13
